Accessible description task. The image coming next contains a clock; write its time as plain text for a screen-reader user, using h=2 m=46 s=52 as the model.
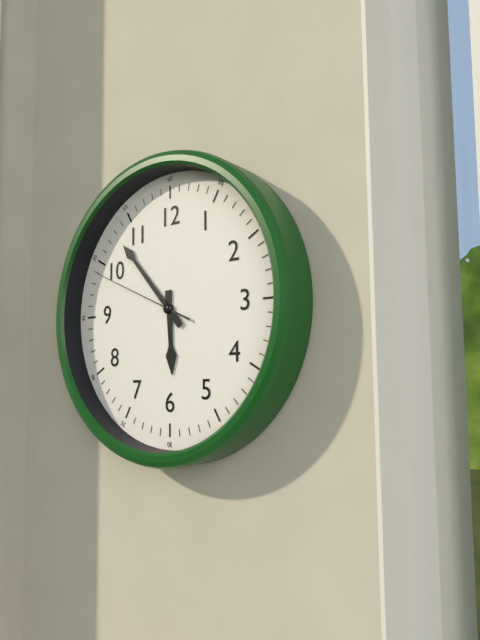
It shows h=5 m=53 s=49
